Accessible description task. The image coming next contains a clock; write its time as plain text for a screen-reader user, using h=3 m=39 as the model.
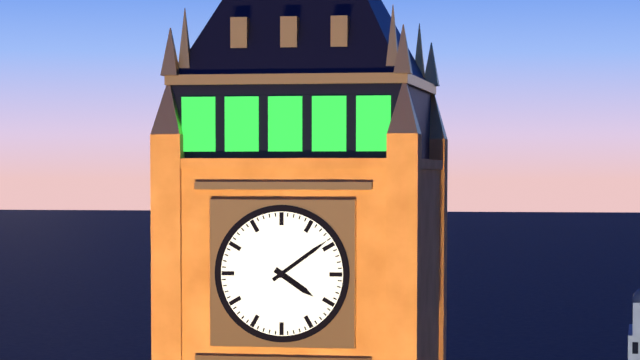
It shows h=4 m=9
